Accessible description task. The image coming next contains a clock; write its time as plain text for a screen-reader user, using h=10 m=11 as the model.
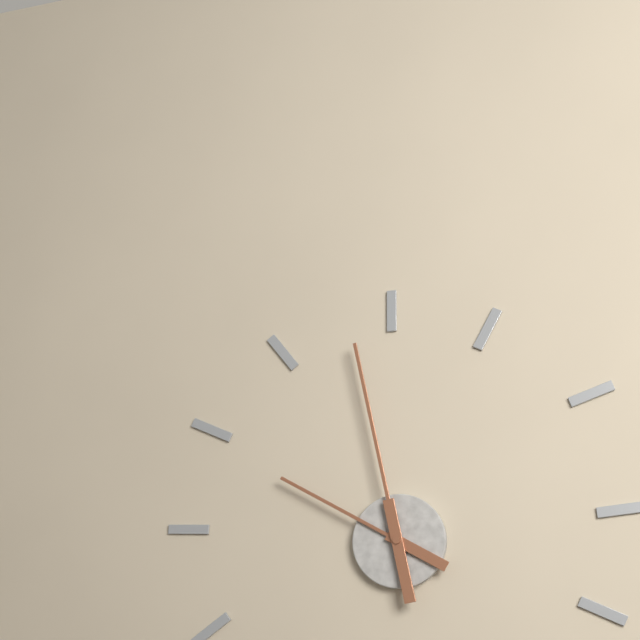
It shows h=9 m=58
